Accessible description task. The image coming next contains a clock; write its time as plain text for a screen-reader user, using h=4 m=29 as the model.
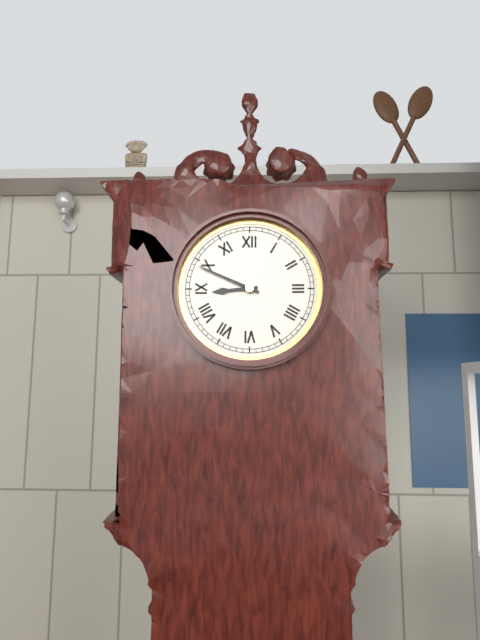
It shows h=8 m=49
